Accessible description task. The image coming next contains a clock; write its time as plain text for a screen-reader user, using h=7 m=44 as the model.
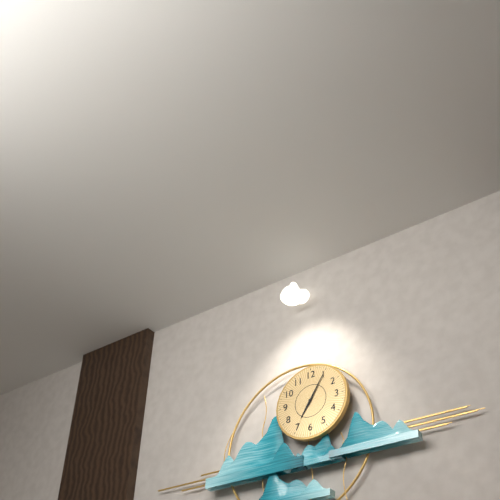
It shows h=7 m=5
